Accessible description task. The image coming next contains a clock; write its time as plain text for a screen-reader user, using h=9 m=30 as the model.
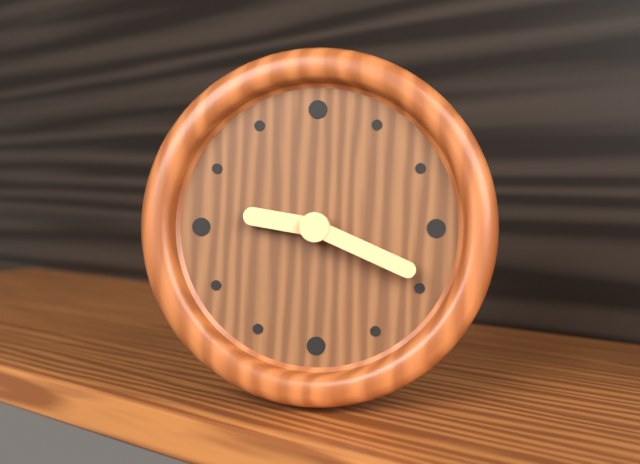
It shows h=9 m=19
